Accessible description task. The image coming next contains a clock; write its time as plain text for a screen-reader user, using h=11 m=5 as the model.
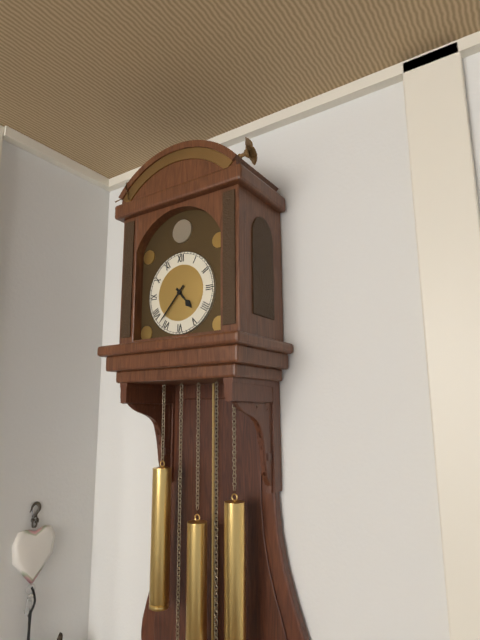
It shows h=4 m=37
